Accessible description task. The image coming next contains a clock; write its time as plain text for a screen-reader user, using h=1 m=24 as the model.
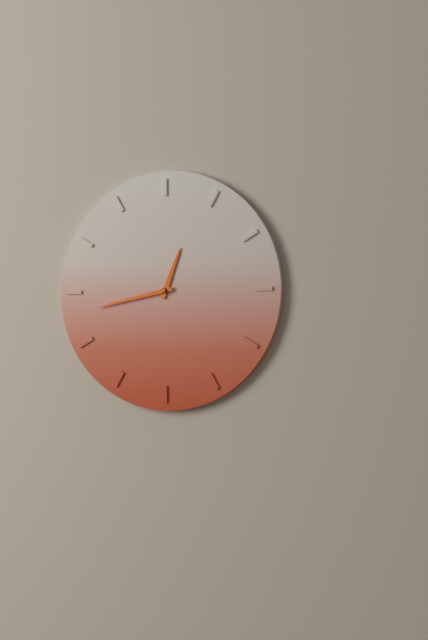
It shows h=12 m=43
